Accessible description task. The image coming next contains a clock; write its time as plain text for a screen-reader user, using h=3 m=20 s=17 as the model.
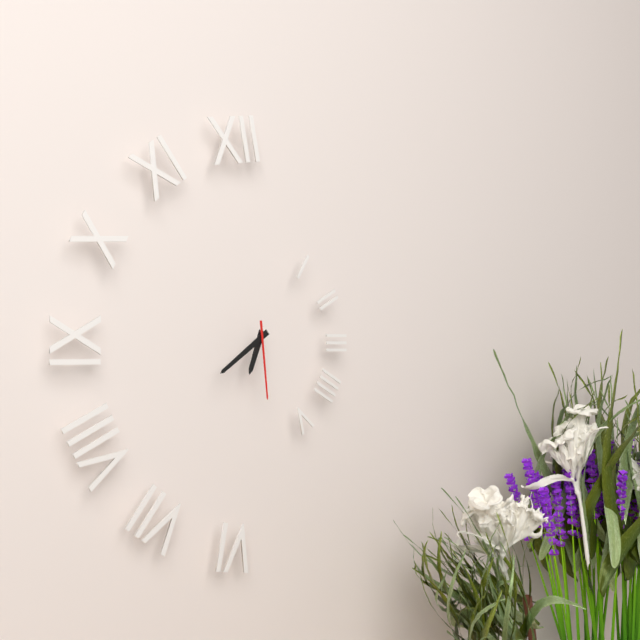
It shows h=6 m=39 s=29
